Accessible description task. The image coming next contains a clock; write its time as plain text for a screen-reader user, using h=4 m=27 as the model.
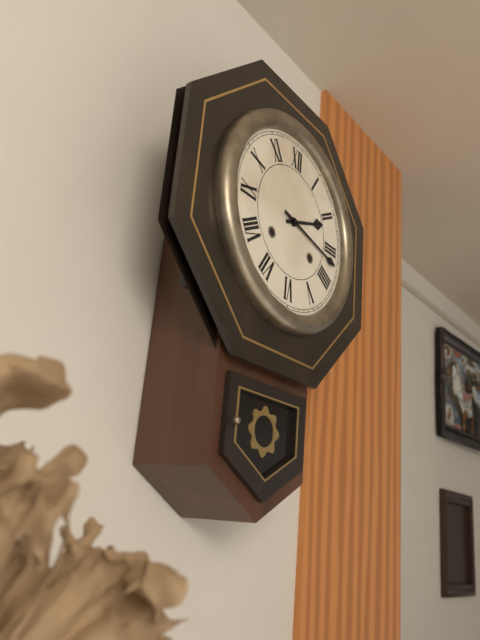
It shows h=2 m=17
